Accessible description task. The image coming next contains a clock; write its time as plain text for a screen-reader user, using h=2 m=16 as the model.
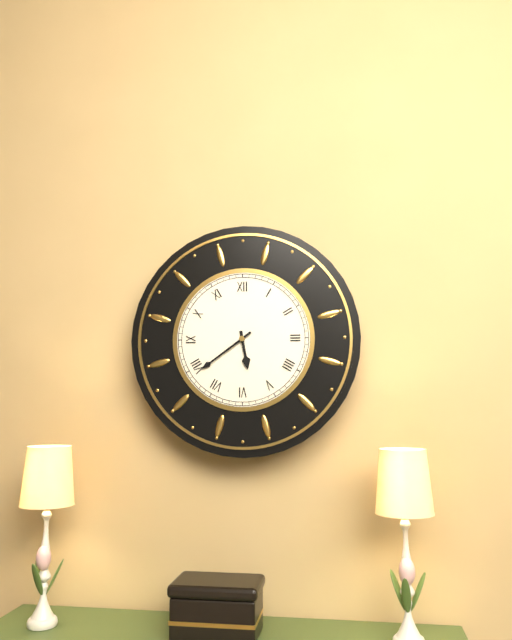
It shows h=5 m=39
